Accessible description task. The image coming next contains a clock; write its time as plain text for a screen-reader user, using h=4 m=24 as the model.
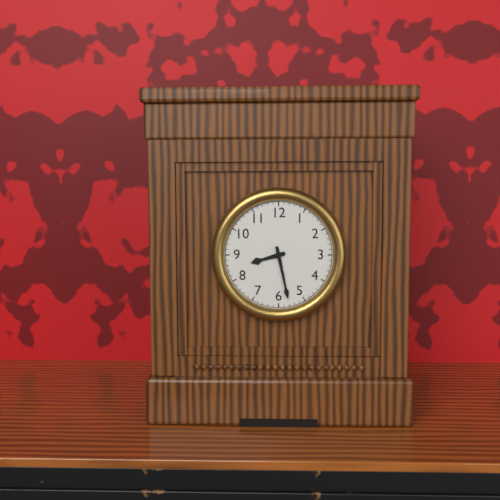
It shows h=8 m=28
